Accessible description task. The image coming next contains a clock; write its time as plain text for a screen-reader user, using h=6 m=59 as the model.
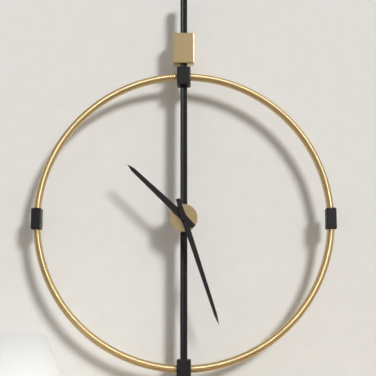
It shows h=10 m=27
